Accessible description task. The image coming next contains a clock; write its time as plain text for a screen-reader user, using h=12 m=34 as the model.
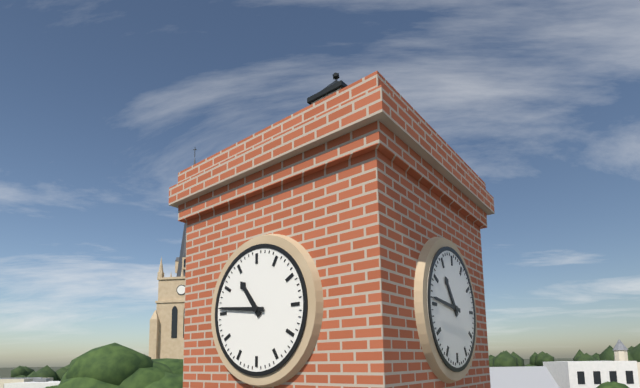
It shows h=10 m=46
